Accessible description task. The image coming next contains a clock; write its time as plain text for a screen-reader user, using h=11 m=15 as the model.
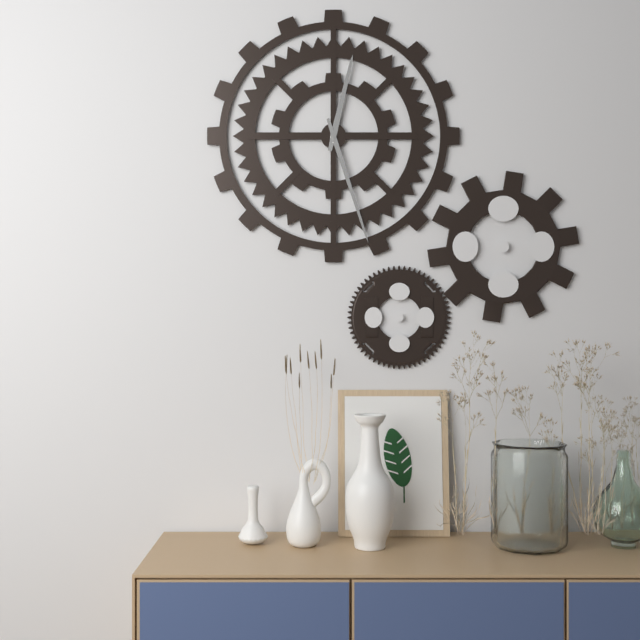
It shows h=12 m=27
